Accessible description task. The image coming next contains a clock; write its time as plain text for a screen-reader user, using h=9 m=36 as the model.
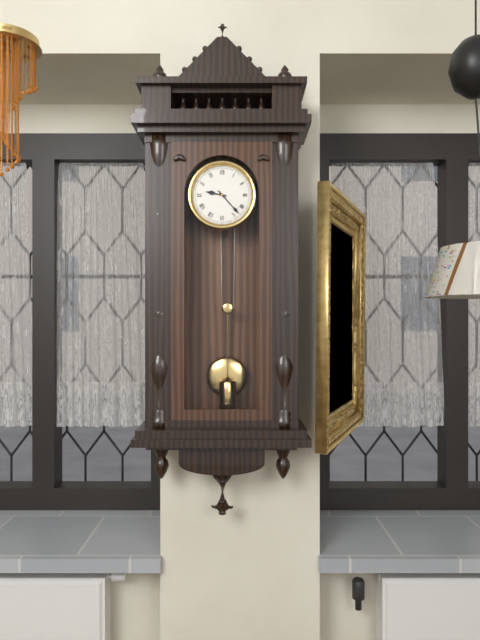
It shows h=9 m=23
